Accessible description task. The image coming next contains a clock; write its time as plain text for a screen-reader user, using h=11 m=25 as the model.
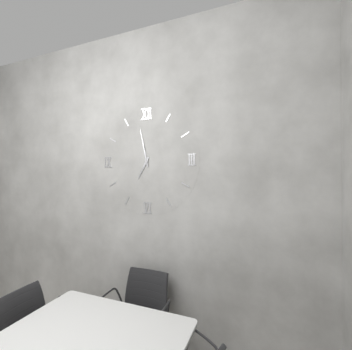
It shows h=6 m=58
